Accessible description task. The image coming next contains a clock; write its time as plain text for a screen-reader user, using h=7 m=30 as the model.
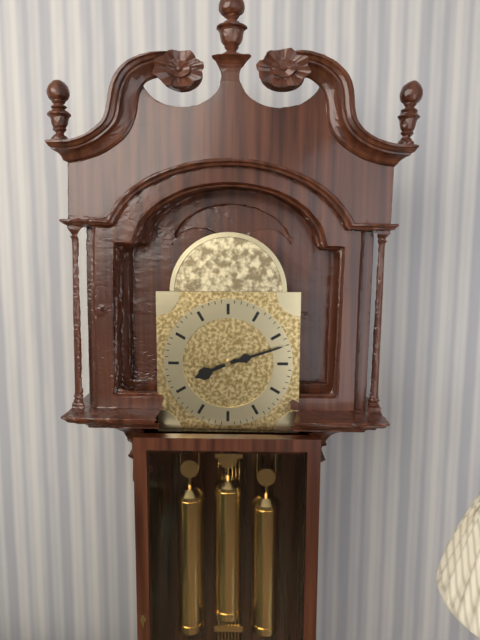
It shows h=8 m=12
